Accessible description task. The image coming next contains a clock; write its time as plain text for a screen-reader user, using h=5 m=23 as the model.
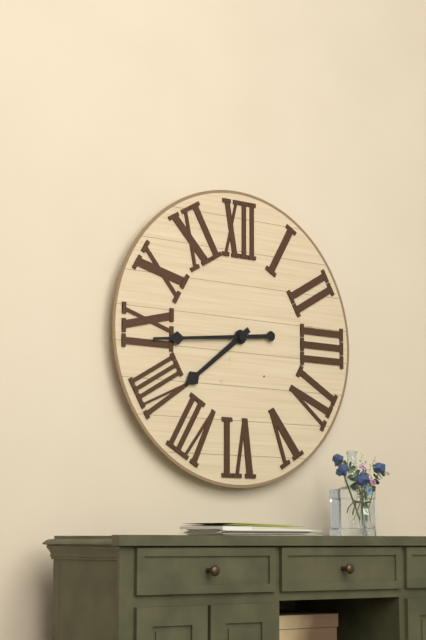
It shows h=7 m=44
